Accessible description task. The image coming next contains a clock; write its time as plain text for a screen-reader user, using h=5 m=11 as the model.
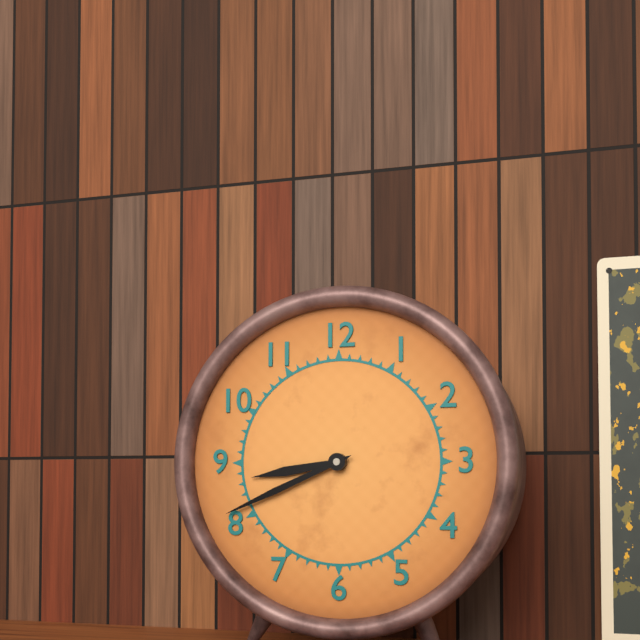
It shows h=8 m=41
